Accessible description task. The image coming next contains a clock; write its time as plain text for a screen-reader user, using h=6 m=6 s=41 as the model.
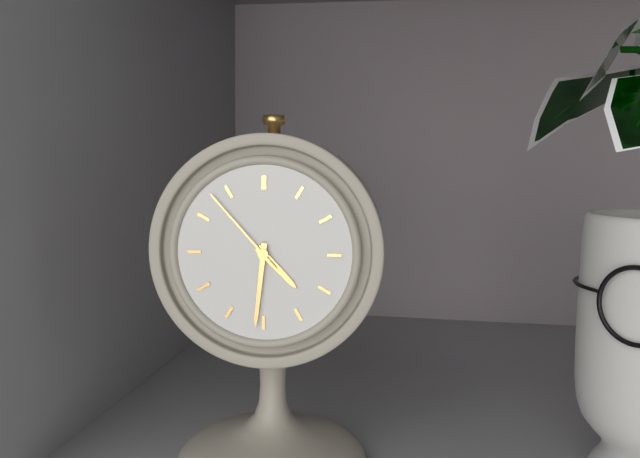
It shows h=4 m=31 s=53
